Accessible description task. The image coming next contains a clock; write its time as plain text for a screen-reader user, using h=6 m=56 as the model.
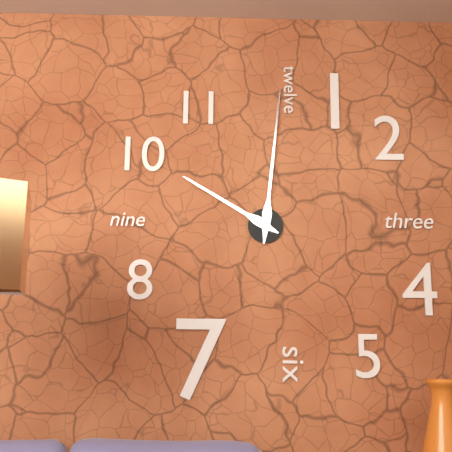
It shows h=10 m=1
